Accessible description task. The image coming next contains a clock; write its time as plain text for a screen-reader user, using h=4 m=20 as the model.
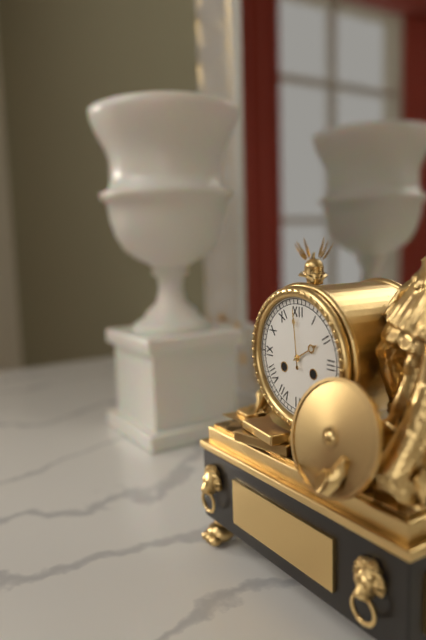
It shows h=1 m=59
